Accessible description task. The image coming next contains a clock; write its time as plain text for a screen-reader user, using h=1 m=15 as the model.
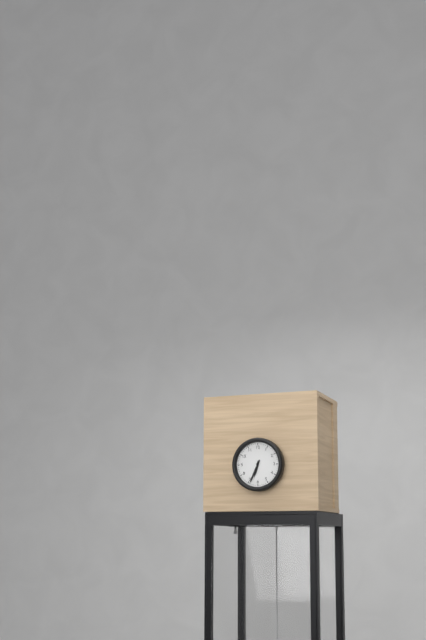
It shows h=6 m=34
